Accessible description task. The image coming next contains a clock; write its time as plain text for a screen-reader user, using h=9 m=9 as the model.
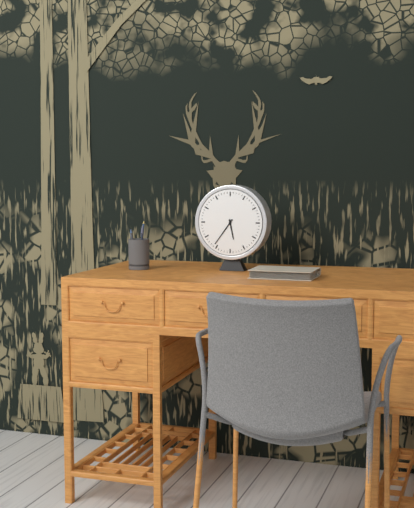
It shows h=5 m=36
